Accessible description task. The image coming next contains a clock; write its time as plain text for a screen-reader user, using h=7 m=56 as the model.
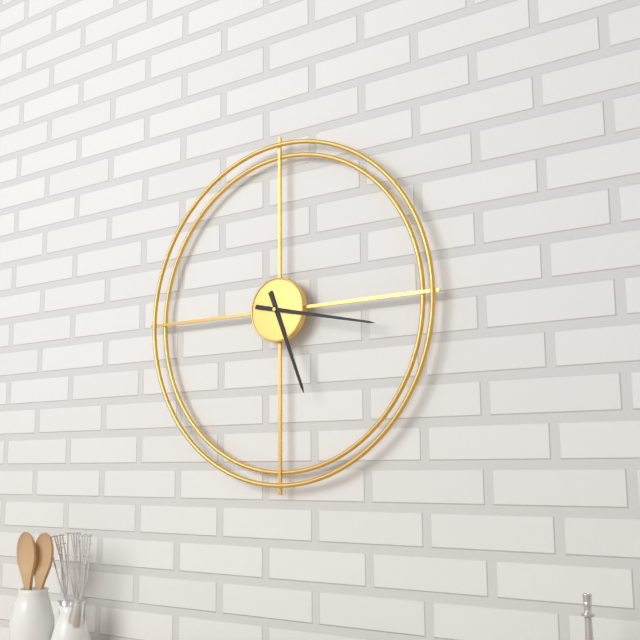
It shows h=5 m=17
